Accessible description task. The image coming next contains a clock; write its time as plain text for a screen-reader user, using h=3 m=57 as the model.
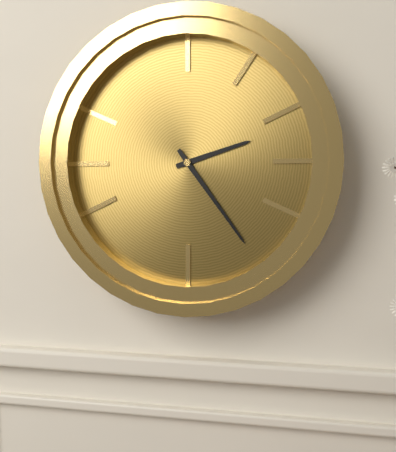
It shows h=2 m=24
